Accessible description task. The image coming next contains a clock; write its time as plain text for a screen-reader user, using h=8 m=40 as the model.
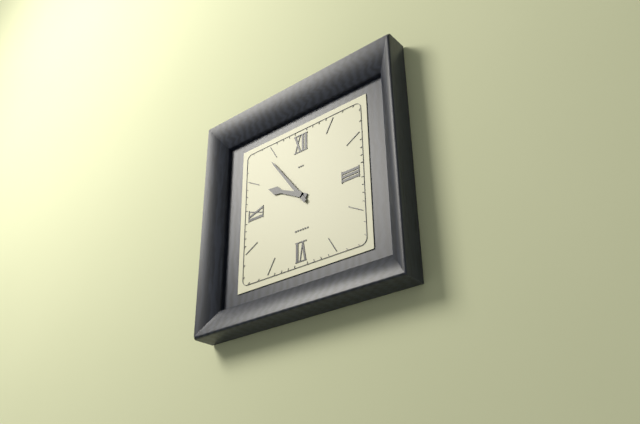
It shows h=9 m=54
